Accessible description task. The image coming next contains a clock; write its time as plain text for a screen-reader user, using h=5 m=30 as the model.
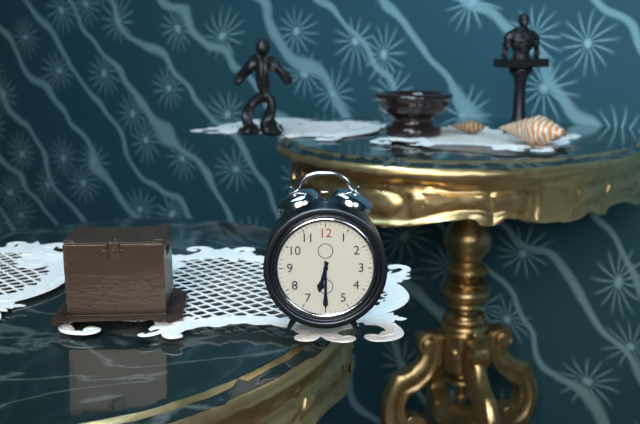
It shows h=6 m=30
